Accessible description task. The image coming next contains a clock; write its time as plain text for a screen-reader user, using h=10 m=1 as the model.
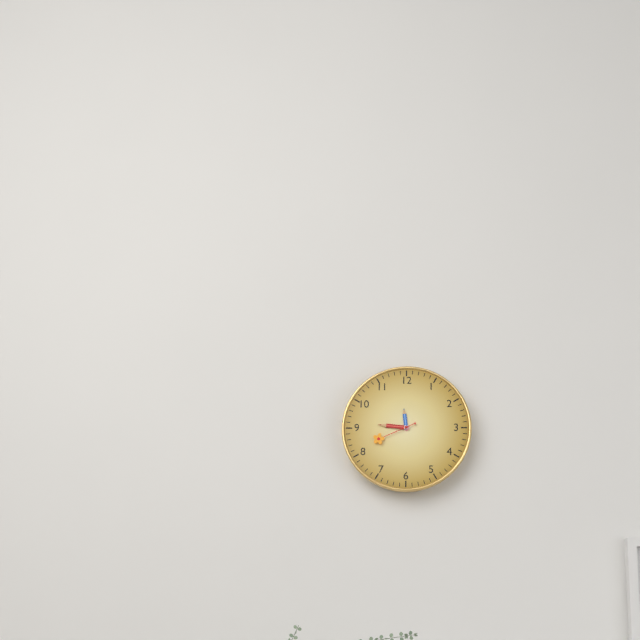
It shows h=11 m=46
